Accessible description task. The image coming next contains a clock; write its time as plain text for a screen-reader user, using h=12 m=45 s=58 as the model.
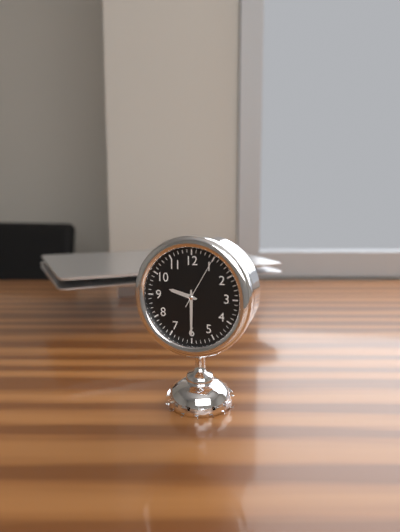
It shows h=9 m=30 s=5
